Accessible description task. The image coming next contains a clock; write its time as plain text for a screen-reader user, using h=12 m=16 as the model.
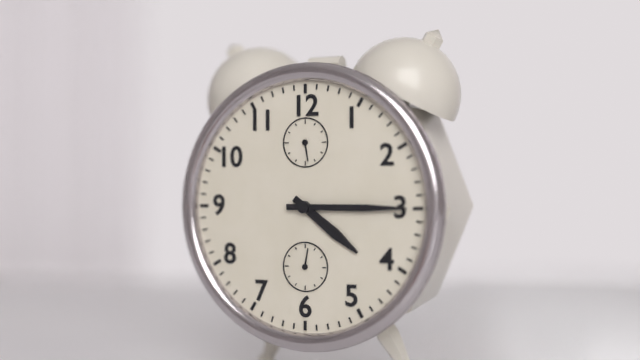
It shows h=4 m=15
